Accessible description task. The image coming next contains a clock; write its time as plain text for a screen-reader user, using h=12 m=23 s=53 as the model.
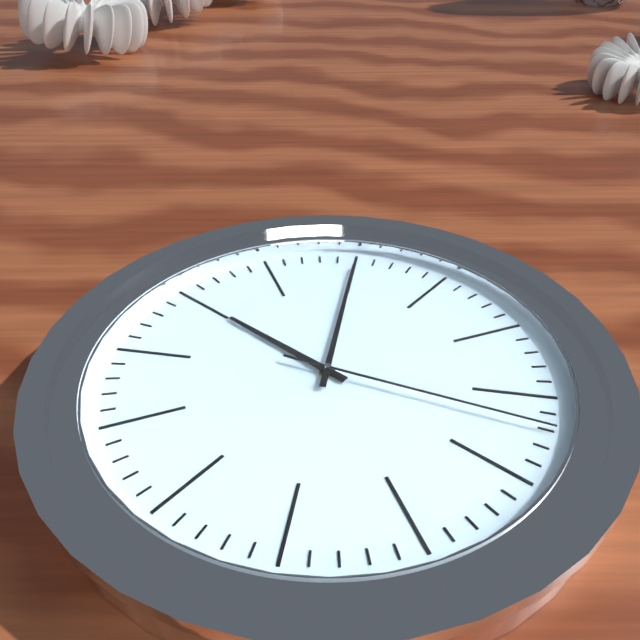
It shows h=10 m=0 s=17
